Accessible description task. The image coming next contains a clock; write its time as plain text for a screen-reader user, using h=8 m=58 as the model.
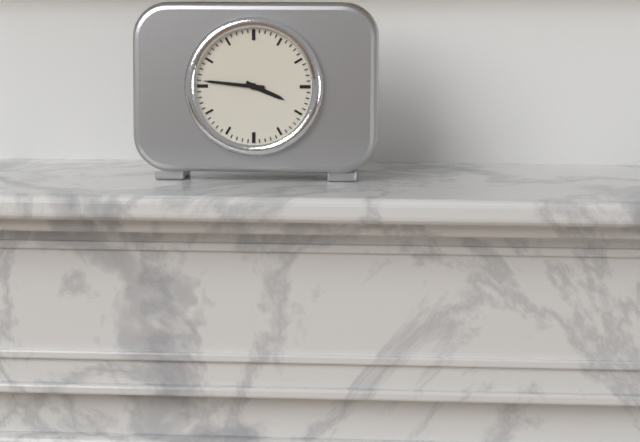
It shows h=3 m=46
